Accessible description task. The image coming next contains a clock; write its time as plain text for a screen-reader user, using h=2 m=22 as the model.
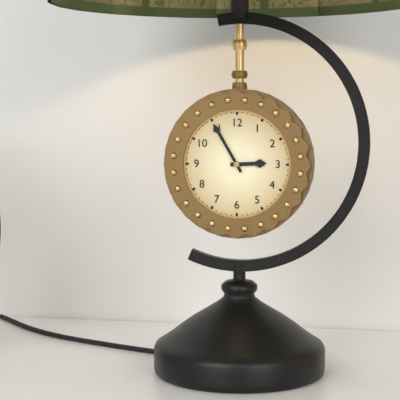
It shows h=2 m=55
